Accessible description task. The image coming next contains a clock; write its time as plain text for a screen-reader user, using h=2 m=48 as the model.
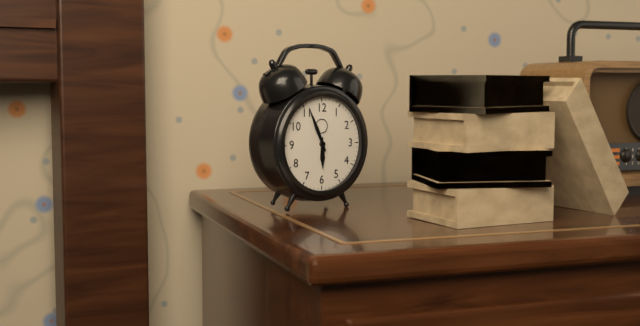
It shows h=5 m=56
